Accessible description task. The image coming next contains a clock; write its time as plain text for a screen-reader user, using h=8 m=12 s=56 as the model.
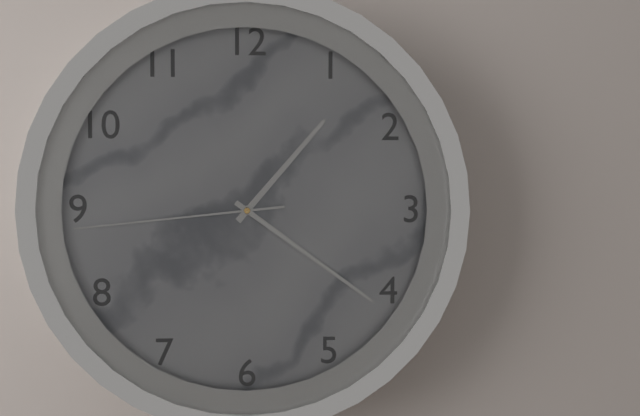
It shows h=1 m=21 s=44
